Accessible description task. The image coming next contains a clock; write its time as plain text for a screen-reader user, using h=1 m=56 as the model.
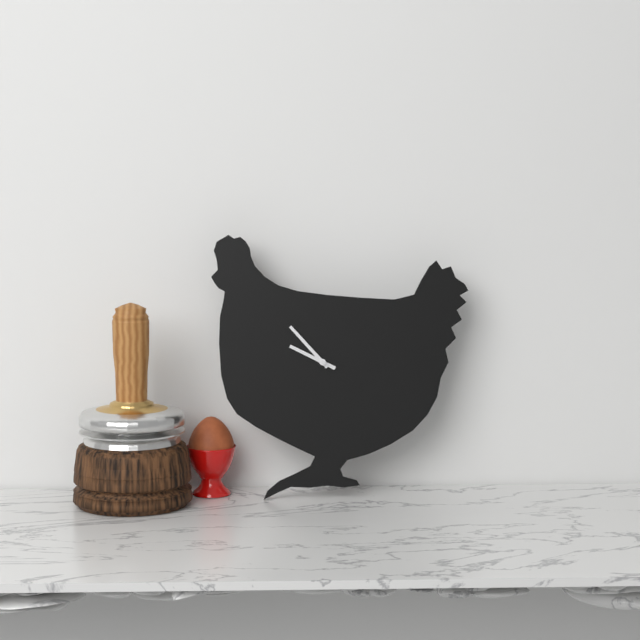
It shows h=9 m=53
